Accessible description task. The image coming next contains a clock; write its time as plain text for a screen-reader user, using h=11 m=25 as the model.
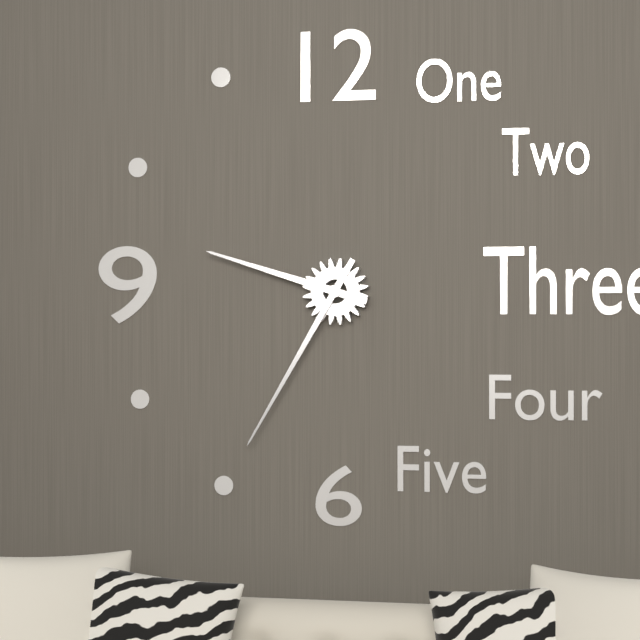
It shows h=9 m=35
